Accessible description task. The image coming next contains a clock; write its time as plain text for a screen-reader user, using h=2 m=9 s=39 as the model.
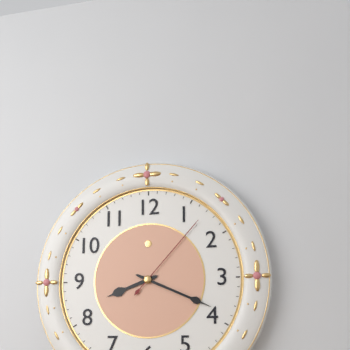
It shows h=8 m=19 s=7
